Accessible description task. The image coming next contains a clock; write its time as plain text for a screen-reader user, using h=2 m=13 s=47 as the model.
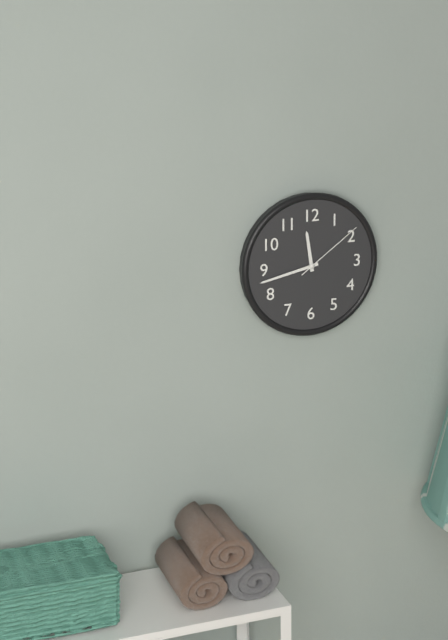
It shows h=11 m=43 s=9
